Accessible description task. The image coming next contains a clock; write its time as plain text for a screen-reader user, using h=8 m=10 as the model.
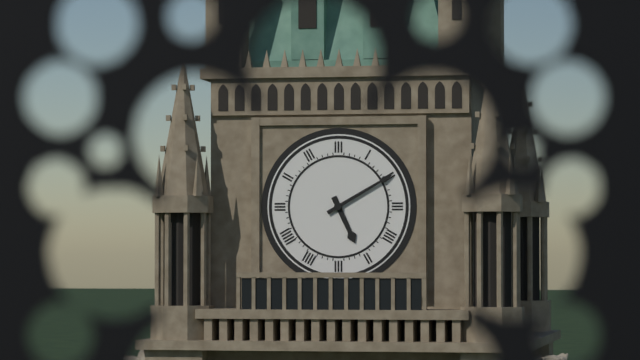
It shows h=5 m=10
